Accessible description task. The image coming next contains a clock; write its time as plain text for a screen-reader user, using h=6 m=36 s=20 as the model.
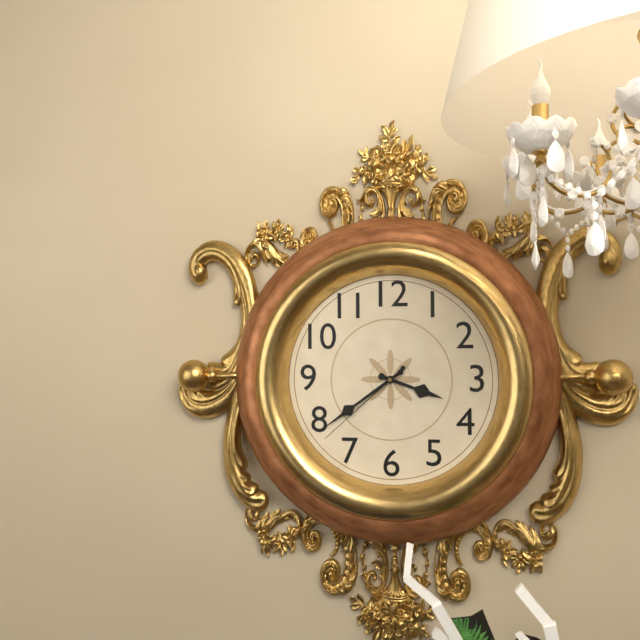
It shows h=3 m=39 s=38
